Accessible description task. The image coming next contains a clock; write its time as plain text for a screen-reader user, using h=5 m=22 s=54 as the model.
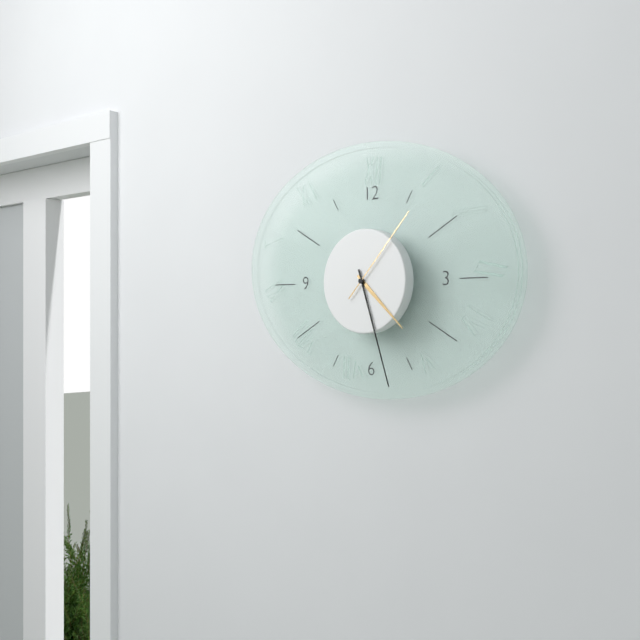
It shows h=4 m=27 s=7
